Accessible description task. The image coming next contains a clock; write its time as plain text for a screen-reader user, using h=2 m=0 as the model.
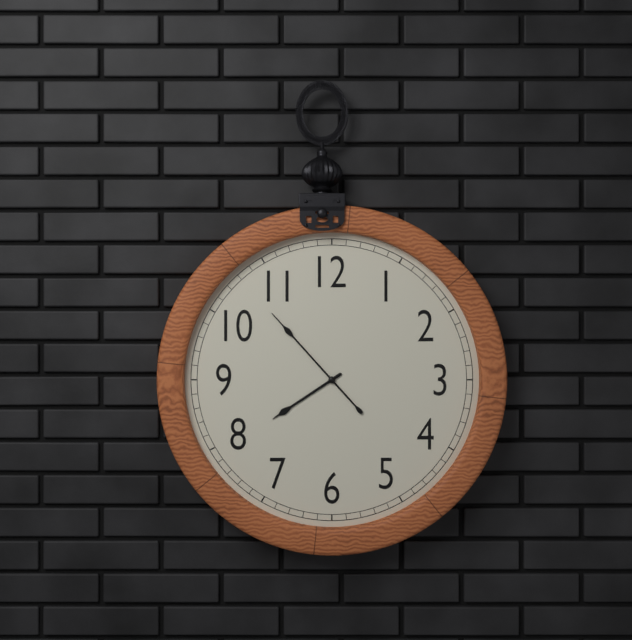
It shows h=7 m=53
